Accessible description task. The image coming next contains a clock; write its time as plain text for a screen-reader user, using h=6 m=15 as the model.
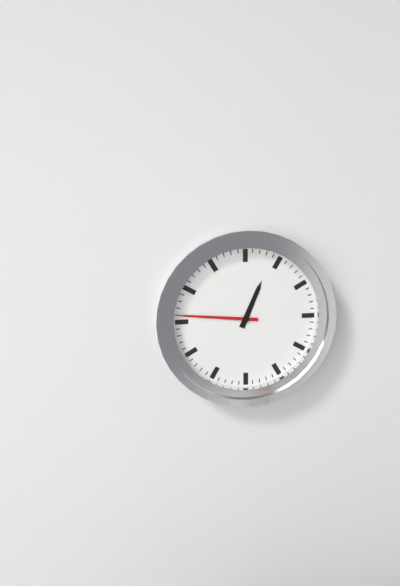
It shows h=12 m=46
